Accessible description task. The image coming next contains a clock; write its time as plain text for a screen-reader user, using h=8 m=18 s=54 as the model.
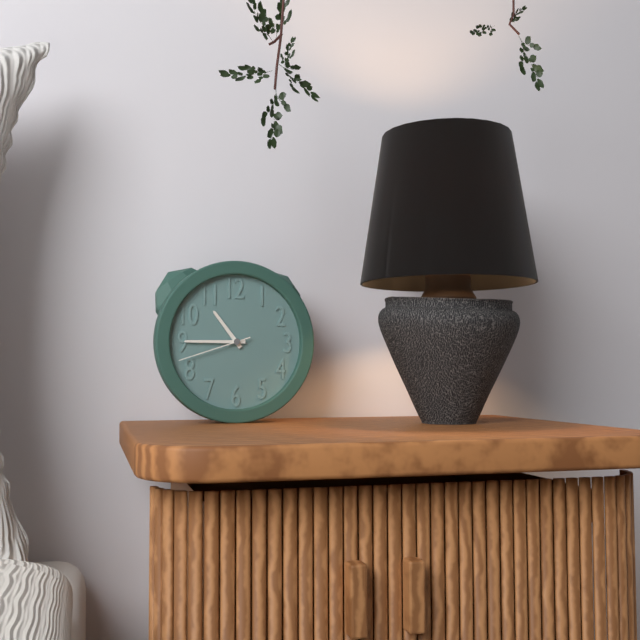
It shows h=10 m=45 s=42
